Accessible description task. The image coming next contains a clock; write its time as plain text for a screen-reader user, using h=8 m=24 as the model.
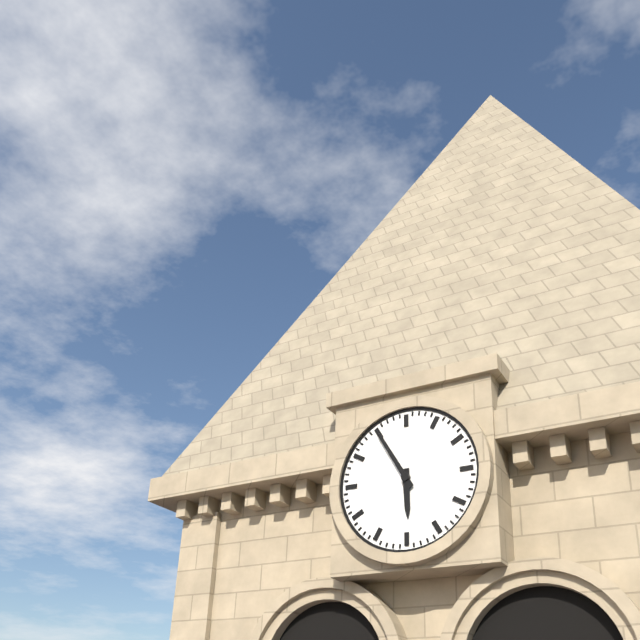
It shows h=5 m=55
